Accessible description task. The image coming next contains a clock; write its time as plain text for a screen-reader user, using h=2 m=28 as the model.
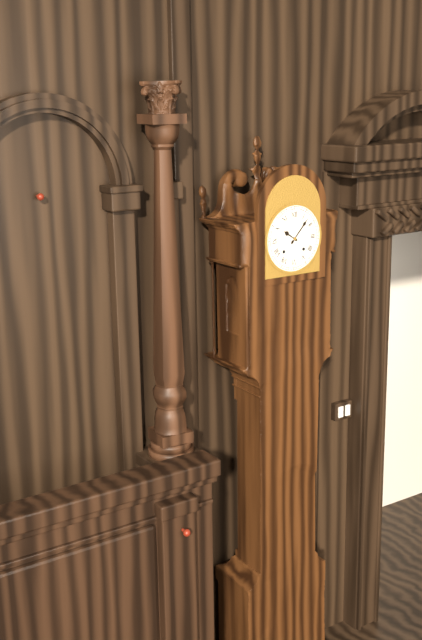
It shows h=10 m=7
